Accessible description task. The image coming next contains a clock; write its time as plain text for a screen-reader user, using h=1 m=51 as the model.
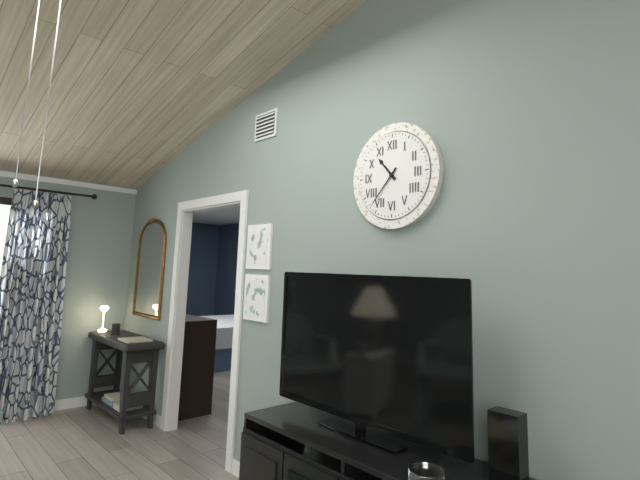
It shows h=10 m=37
